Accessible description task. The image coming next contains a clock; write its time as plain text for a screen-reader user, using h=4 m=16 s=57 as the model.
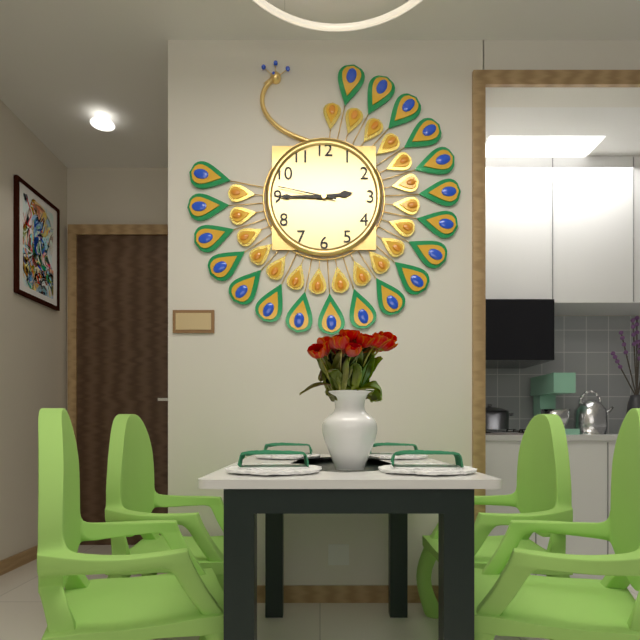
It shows h=2 m=45 s=47
